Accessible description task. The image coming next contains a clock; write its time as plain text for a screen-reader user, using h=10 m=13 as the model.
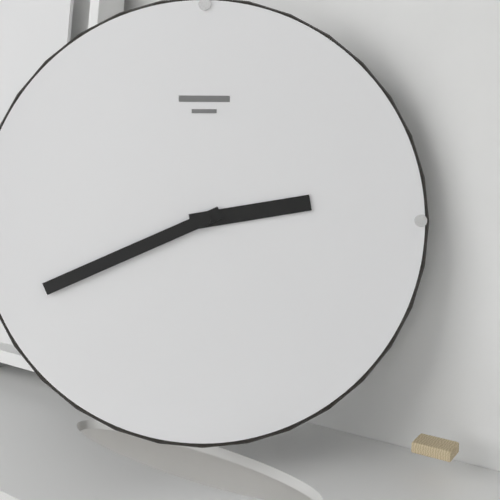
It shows h=2 m=41
